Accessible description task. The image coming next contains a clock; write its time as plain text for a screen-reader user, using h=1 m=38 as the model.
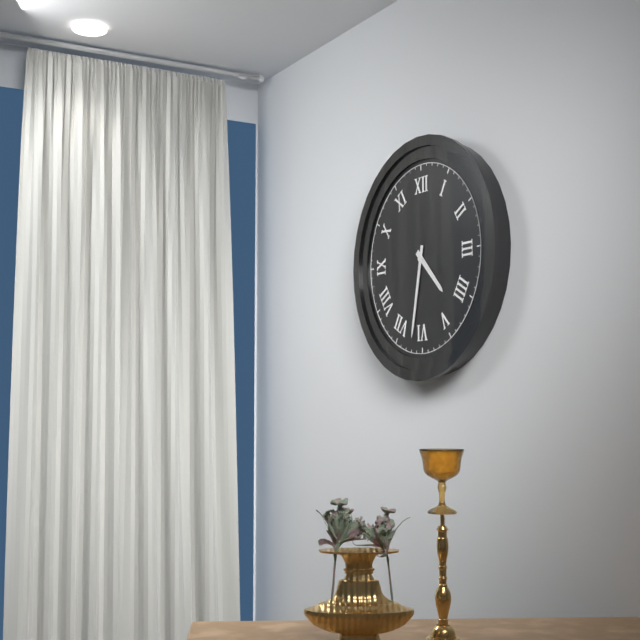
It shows h=4 m=32
